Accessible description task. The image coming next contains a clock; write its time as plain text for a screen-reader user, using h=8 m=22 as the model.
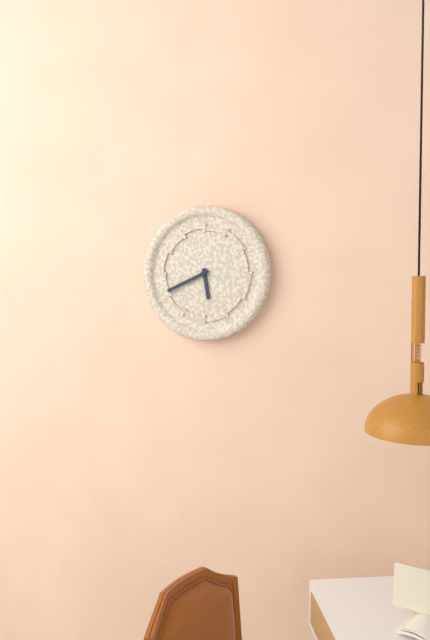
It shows h=5 m=41
